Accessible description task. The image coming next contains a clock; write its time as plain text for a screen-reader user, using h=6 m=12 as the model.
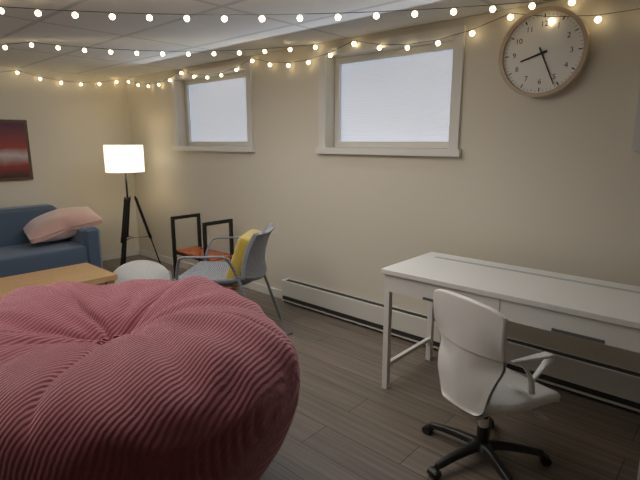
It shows h=8 m=26
